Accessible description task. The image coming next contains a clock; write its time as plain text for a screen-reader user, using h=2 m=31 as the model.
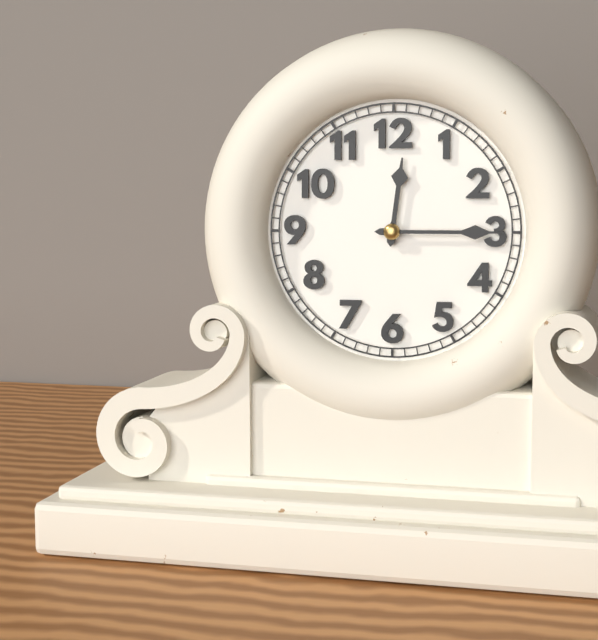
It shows h=12 m=15
